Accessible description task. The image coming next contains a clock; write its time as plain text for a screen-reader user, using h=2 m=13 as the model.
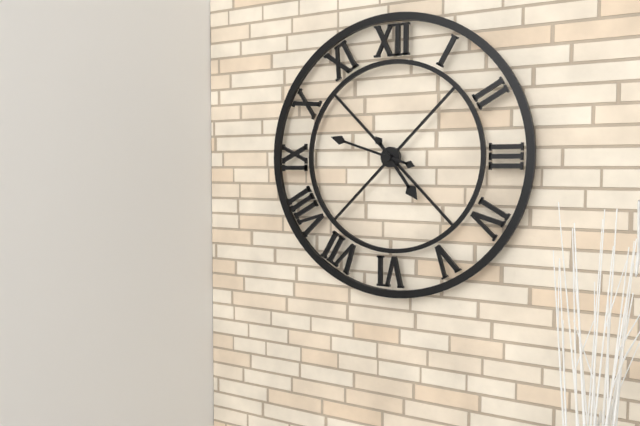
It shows h=4 m=48
